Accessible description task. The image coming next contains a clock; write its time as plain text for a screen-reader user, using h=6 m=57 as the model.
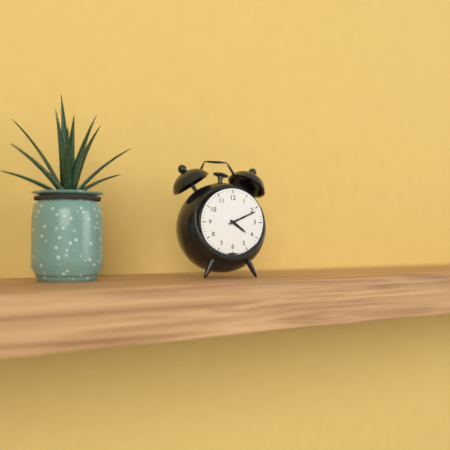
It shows h=4 m=11
